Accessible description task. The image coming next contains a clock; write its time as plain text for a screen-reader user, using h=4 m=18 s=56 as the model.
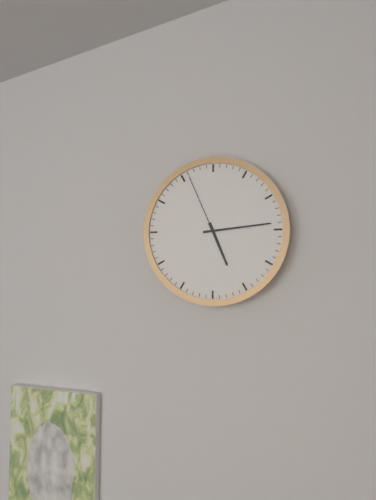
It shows h=5 m=14 s=56
